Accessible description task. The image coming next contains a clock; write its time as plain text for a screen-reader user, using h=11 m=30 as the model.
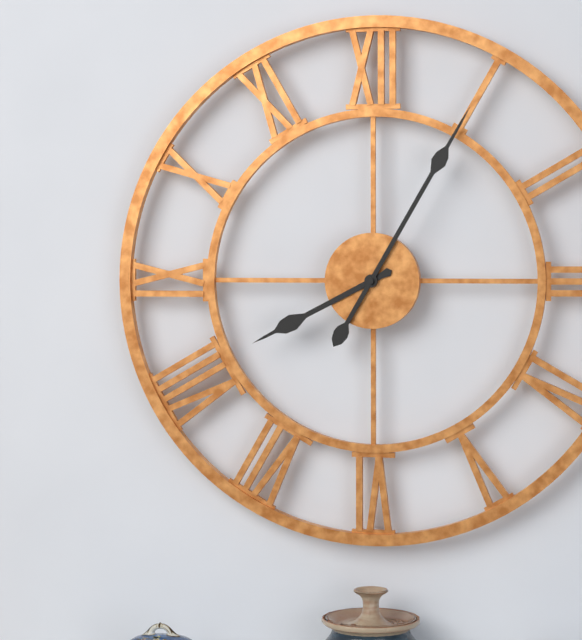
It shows h=8 m=5
